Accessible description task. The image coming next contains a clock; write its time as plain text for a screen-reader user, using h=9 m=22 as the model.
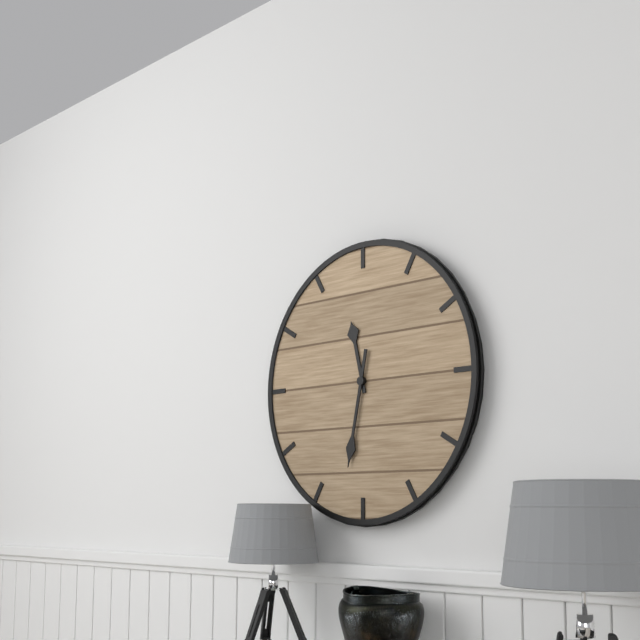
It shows h=11 m=32
